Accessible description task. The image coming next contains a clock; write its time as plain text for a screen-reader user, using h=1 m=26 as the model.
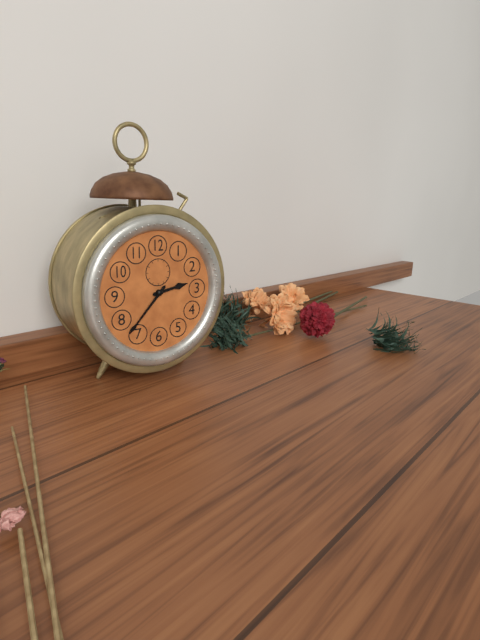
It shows h=2 m=37
